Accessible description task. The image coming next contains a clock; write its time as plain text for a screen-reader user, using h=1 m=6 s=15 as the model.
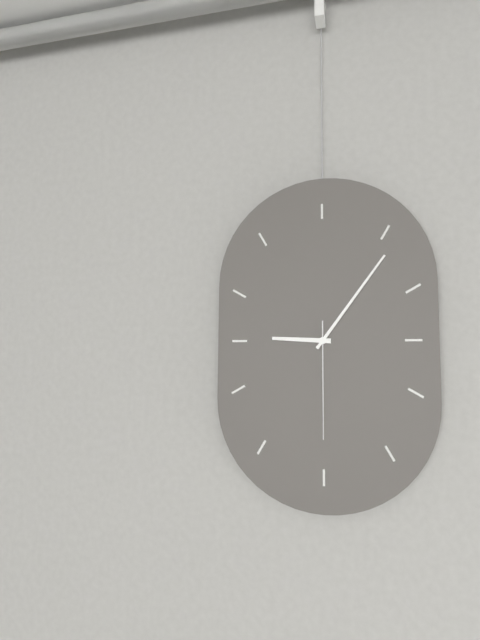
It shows h=9 m=6 s=30
